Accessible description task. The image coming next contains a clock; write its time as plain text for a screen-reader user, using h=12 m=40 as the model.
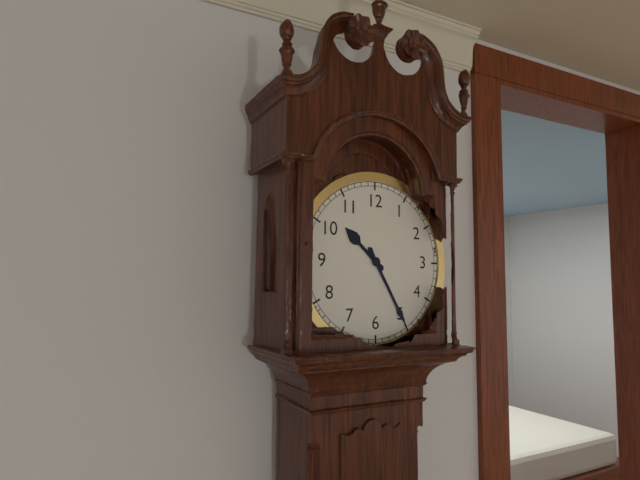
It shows h=10 m=25
